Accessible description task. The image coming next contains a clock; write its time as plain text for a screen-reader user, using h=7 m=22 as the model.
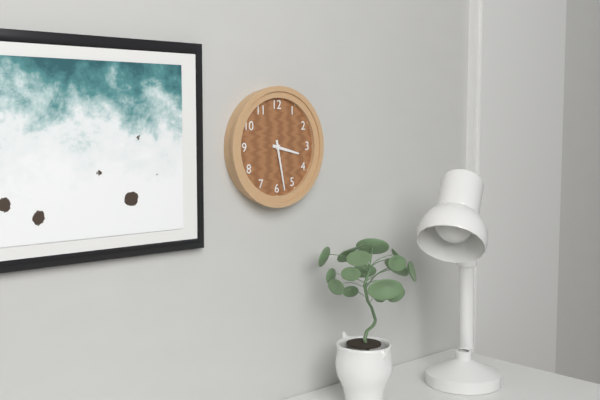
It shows h=3 m=28
